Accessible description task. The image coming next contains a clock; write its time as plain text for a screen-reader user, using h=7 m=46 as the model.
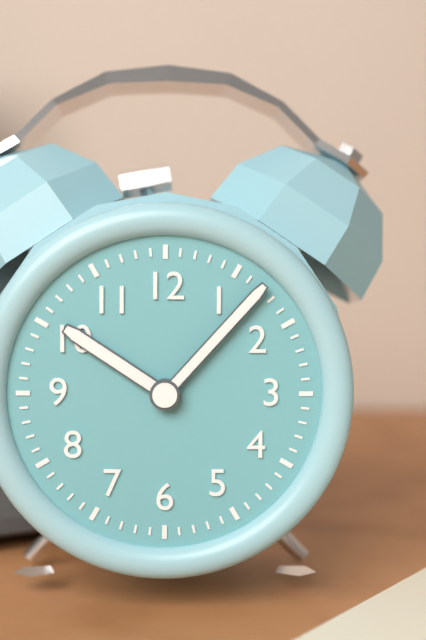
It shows h=10 m=7
